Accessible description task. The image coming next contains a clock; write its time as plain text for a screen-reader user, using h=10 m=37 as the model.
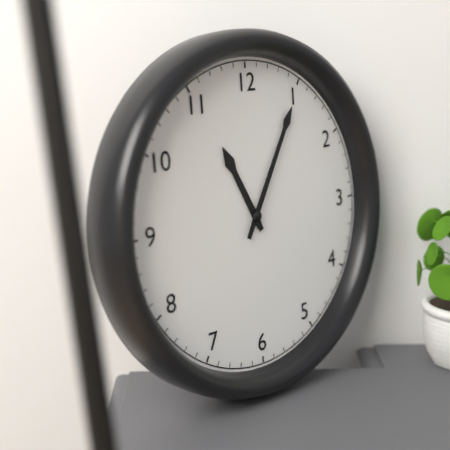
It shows h=11 m=5
